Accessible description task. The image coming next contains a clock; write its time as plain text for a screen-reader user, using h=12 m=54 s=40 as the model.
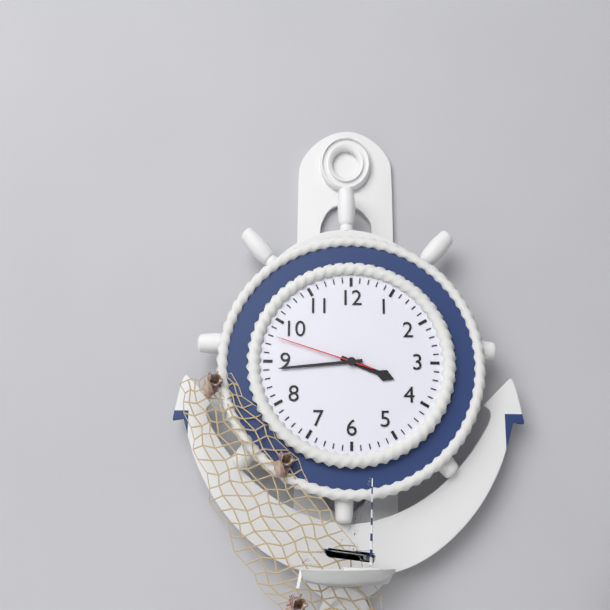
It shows h=3 m=44 s=48
